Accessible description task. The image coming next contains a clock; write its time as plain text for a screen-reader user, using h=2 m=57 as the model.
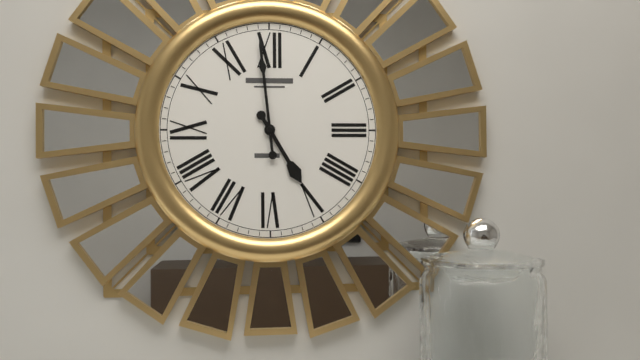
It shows h=4 m=59
